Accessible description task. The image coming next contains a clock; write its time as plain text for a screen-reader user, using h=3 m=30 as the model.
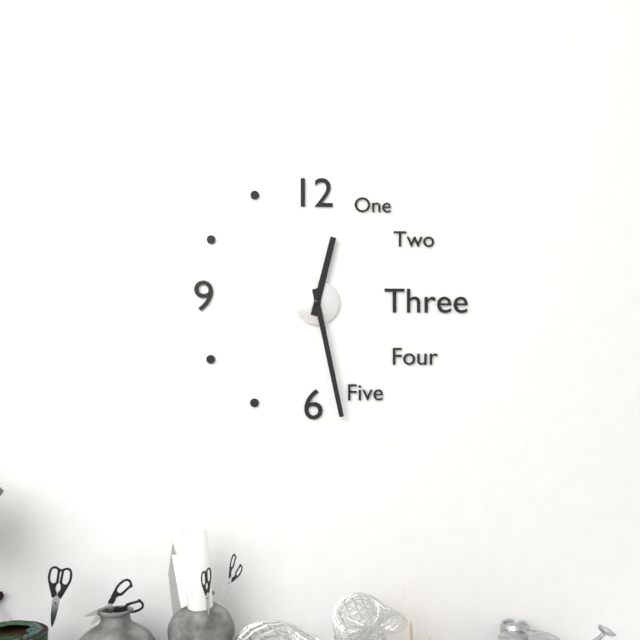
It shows h=12 m=28
